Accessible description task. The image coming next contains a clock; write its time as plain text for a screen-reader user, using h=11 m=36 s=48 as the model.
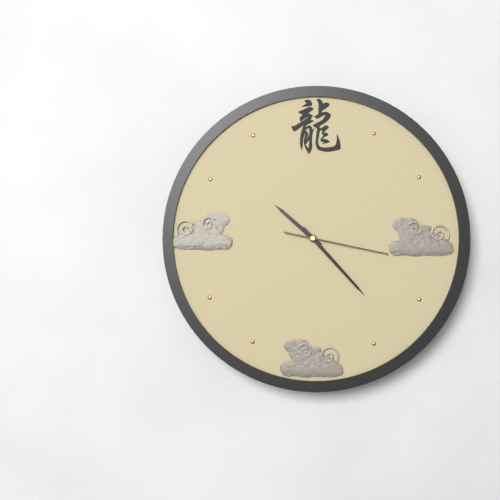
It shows h=10 m=23 s=17
